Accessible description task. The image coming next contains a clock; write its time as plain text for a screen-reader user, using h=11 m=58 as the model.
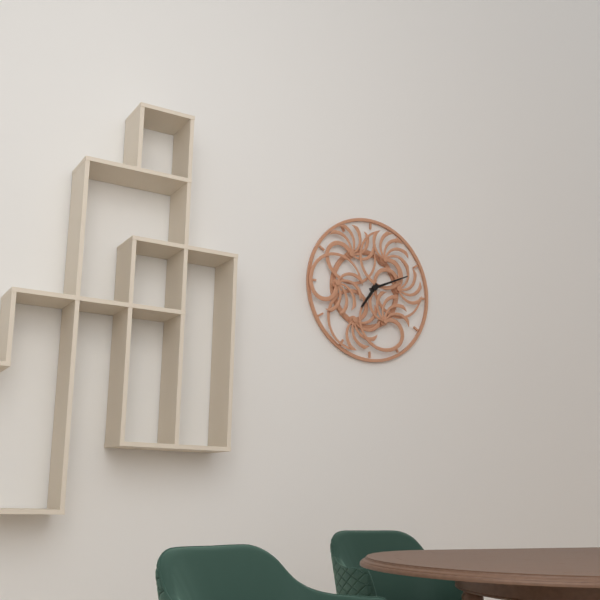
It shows h=7 m=11
